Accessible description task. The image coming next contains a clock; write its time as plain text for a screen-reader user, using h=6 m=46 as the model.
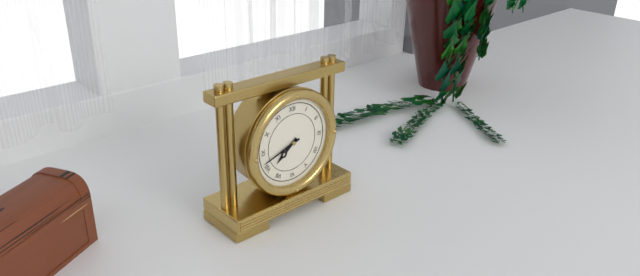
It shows h=7 m=42
